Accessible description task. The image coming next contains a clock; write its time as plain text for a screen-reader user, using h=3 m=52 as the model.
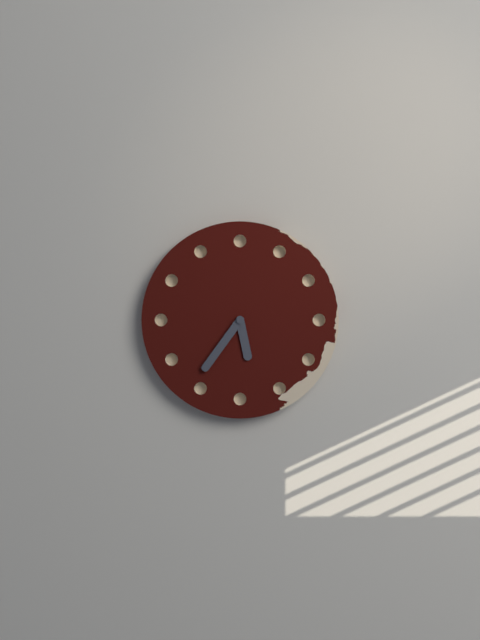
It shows h=5 m=36
